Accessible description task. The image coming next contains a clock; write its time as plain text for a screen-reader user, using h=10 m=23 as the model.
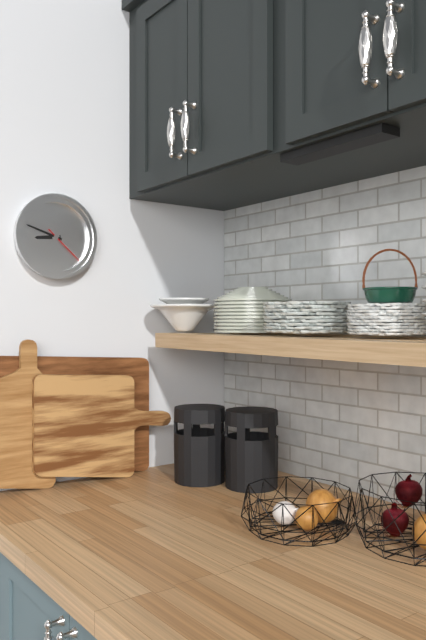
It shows h=8 m=48
